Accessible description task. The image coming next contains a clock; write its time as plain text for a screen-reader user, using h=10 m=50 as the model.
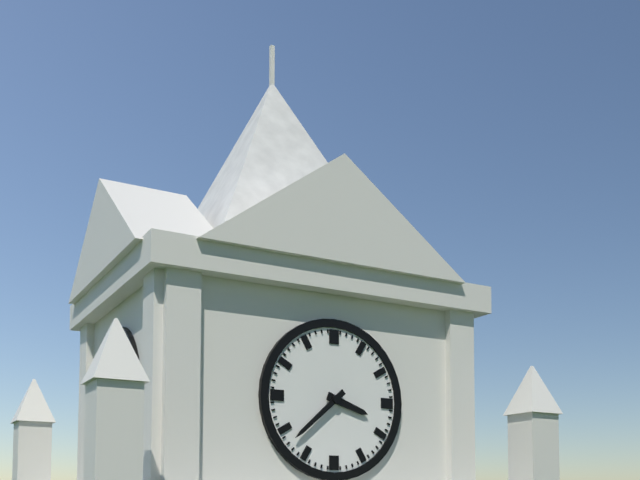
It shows h=3 m=38
